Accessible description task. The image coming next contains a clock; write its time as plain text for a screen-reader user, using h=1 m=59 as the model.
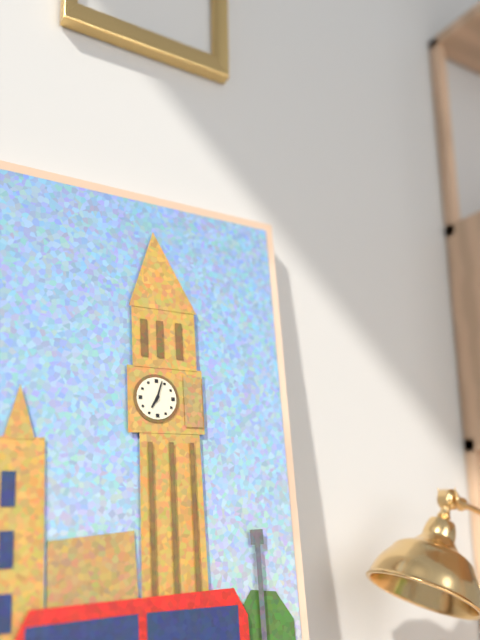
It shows h=7 m=3
